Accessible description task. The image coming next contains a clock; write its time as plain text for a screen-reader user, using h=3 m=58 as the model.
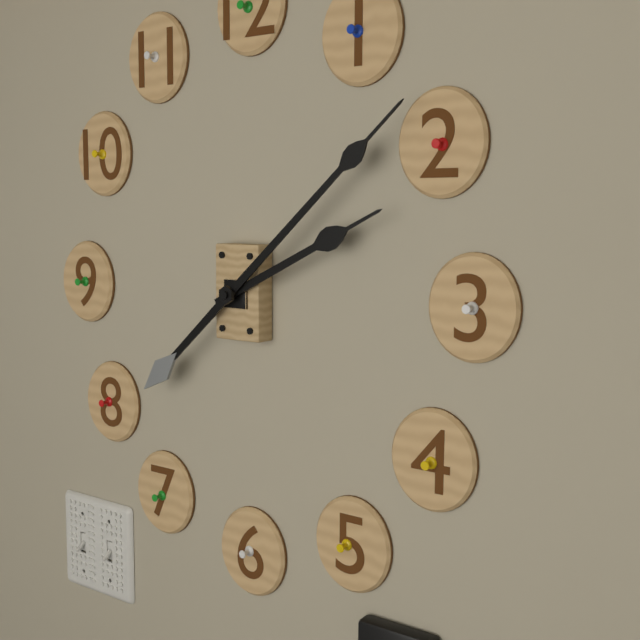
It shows h=2 m=8
